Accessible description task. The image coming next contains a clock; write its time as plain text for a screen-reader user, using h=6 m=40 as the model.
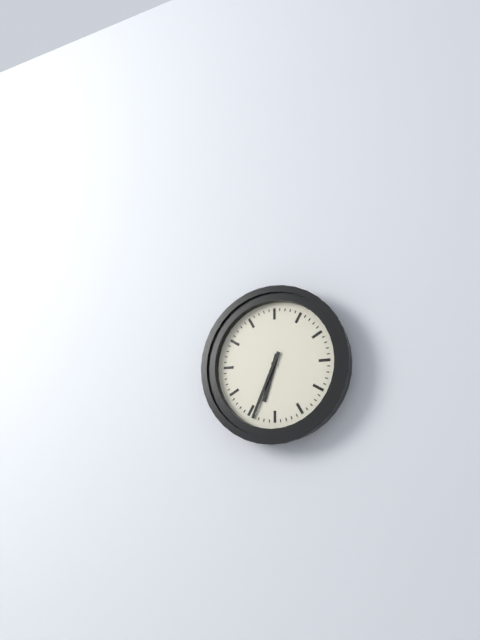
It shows h=6 m=34
